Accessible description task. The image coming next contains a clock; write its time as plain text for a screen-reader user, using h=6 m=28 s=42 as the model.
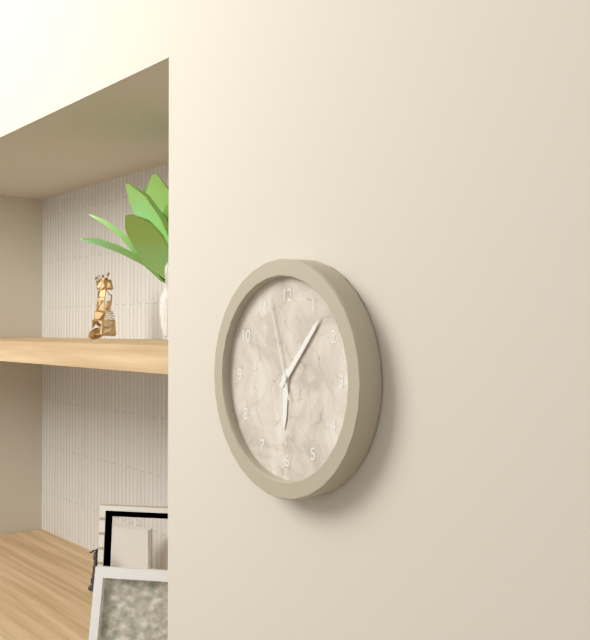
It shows h=6 m=7 s=57
